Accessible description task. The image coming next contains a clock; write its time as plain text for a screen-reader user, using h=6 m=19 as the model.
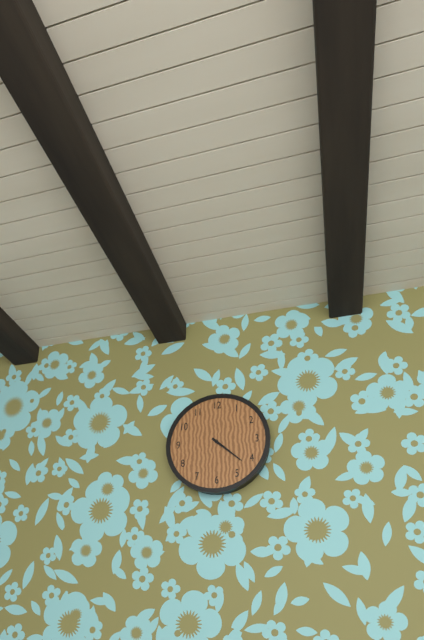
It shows h=4 m=22
